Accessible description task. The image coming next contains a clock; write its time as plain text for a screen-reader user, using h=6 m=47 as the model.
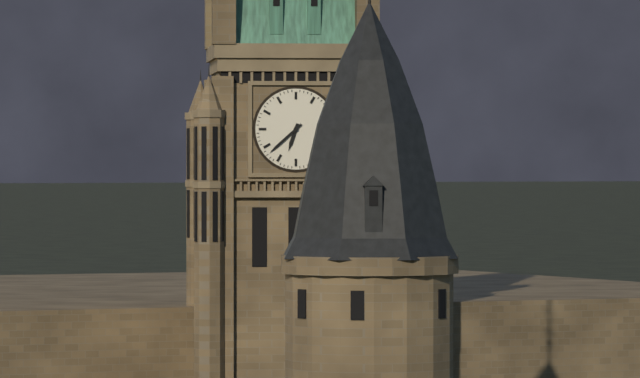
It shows h=6 m=38
